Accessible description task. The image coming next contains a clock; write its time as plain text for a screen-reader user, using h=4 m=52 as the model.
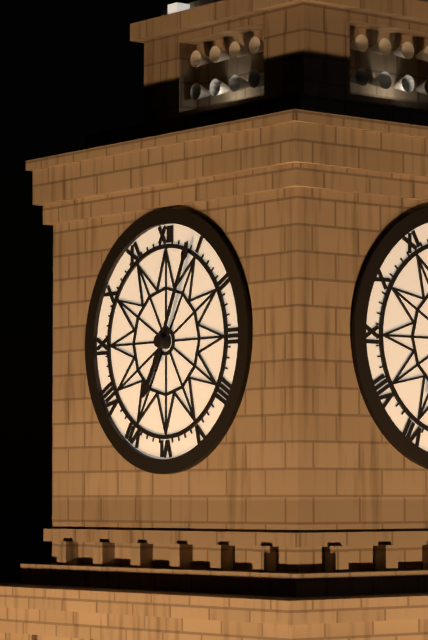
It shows h=7 m=4
